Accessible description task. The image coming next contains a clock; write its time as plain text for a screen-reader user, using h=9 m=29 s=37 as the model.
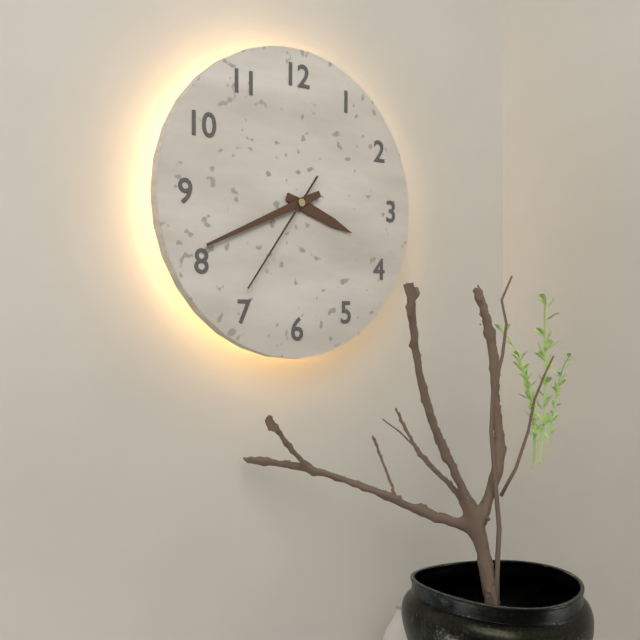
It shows h=3 m=41 s=36
